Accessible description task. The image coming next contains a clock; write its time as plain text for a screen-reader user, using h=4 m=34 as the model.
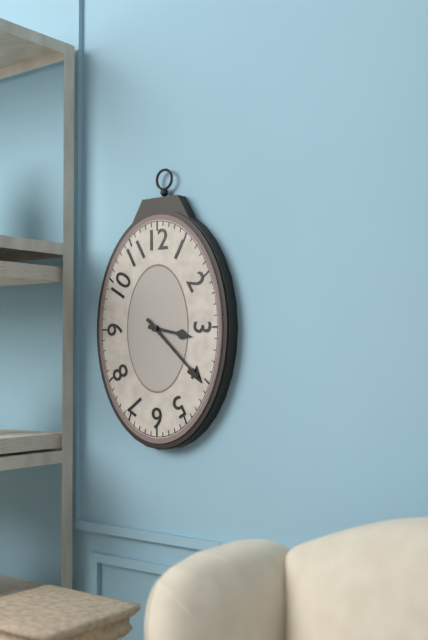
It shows h=3 m=22
